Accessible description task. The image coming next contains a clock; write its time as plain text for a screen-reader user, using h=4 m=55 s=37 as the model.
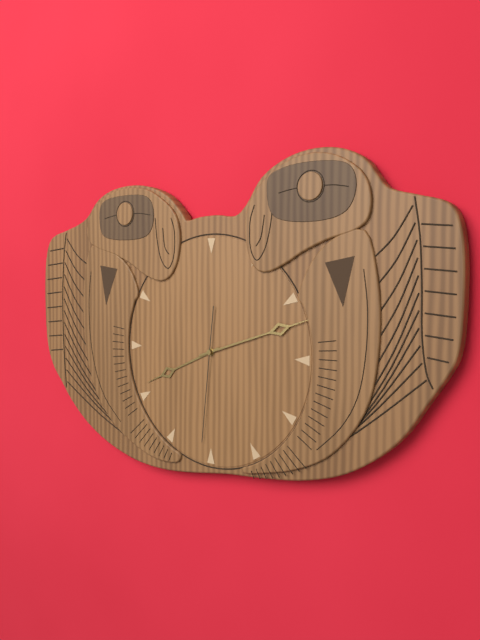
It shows h=8 m=12 s=31
